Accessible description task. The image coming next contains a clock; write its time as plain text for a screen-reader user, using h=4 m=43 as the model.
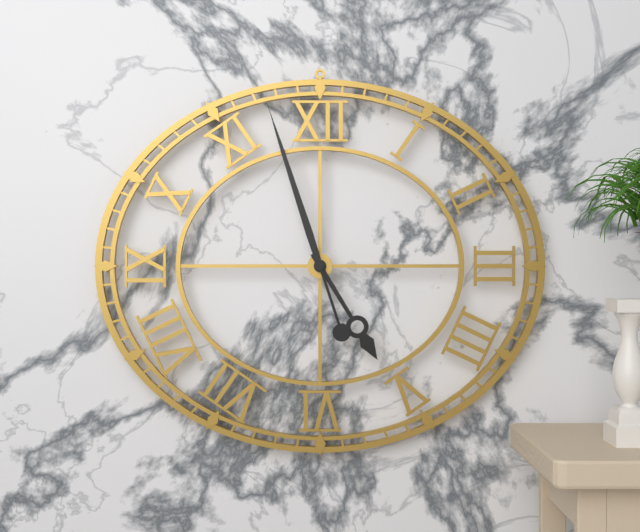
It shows h=4 m=57
